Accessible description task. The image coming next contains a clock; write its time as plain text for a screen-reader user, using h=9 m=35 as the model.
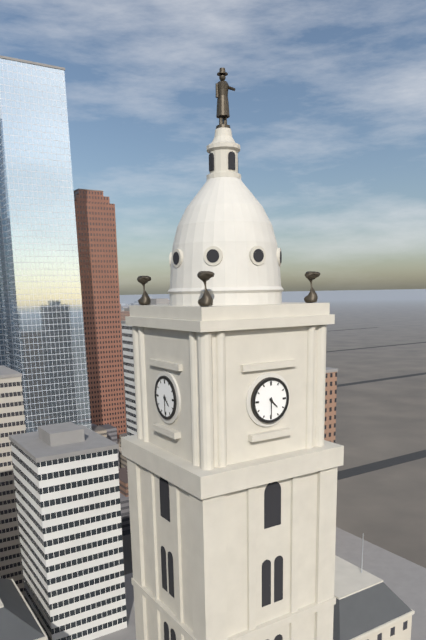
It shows h=4 m=30
